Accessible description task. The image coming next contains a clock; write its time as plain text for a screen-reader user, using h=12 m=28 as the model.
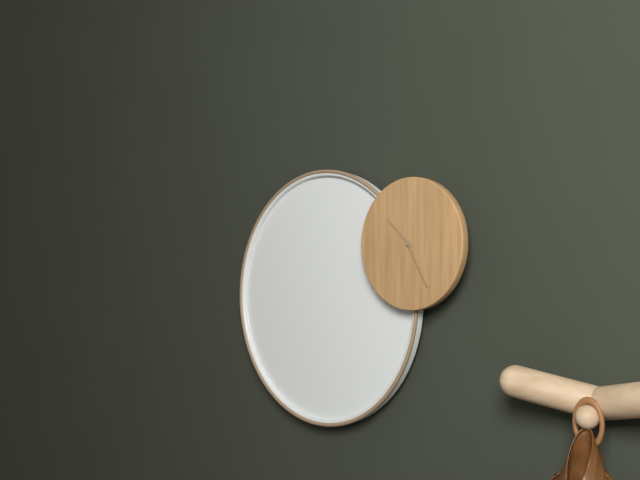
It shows h=10 m=25
